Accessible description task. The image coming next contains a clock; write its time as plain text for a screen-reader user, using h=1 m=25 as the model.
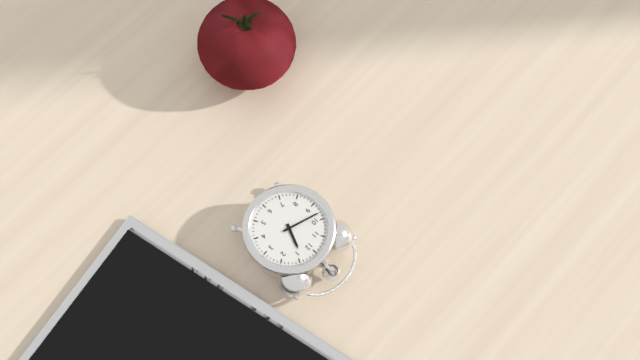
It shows h=12 m=48
